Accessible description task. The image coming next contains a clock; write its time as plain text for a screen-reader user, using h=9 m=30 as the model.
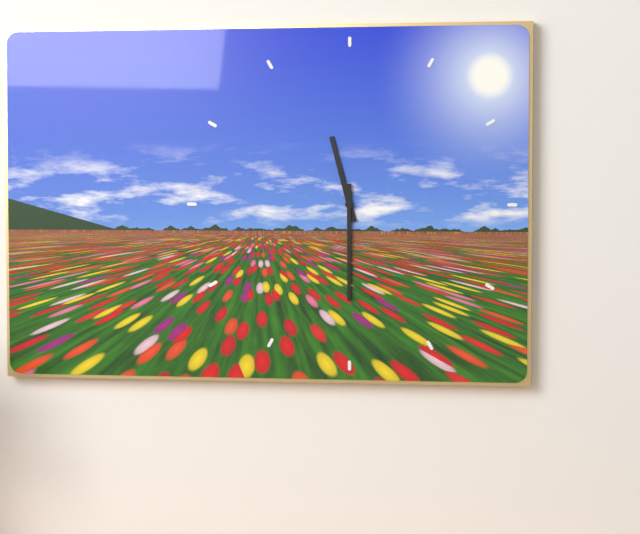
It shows h=11 m=30
